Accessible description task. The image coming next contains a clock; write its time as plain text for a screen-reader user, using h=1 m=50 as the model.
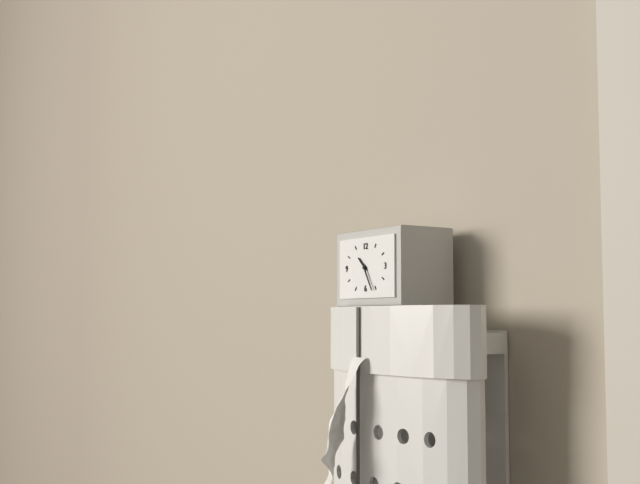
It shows h=10 m=25
